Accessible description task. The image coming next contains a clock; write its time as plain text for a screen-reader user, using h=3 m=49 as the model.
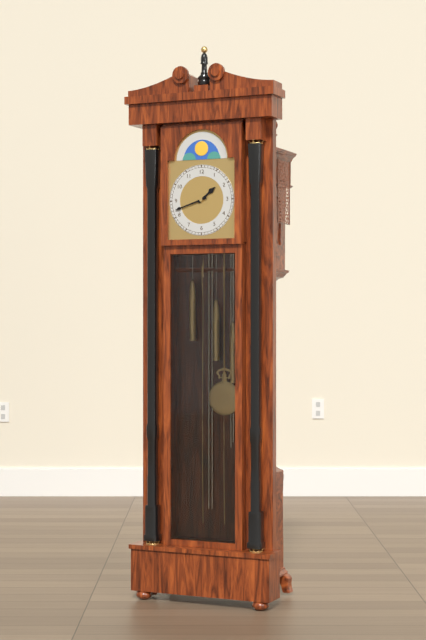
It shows h=1 m=42
